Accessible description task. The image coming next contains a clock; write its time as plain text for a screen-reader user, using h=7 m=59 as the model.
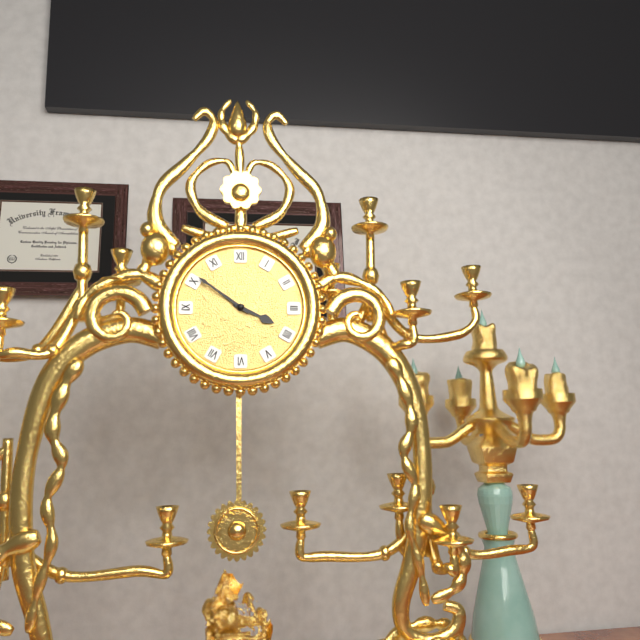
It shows h=3 m=51
